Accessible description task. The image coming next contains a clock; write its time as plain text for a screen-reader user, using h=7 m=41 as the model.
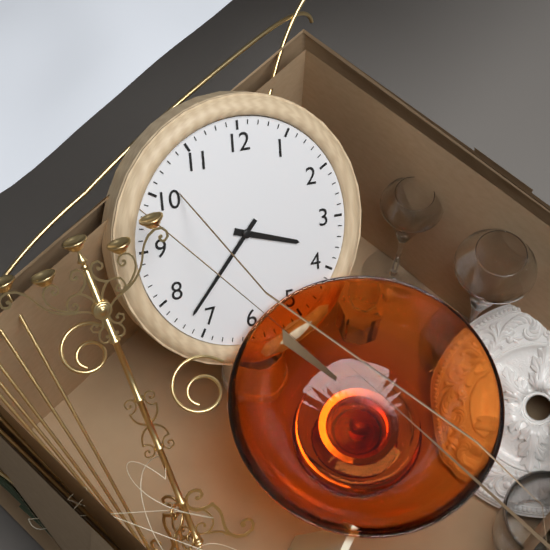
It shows h=3 m=37
